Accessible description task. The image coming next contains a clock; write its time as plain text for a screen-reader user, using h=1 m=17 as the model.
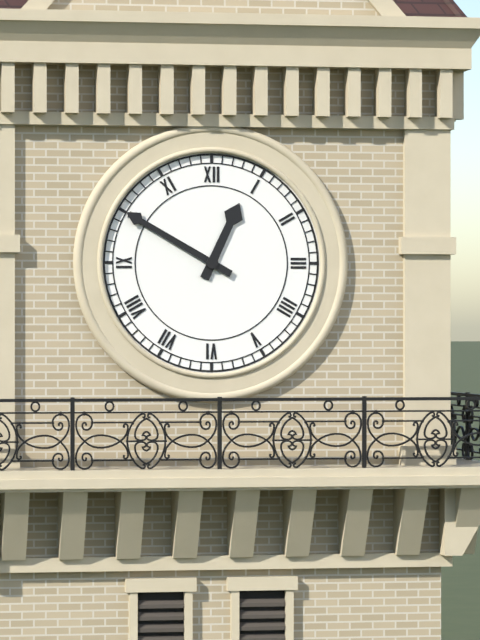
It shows h=12 m=50
